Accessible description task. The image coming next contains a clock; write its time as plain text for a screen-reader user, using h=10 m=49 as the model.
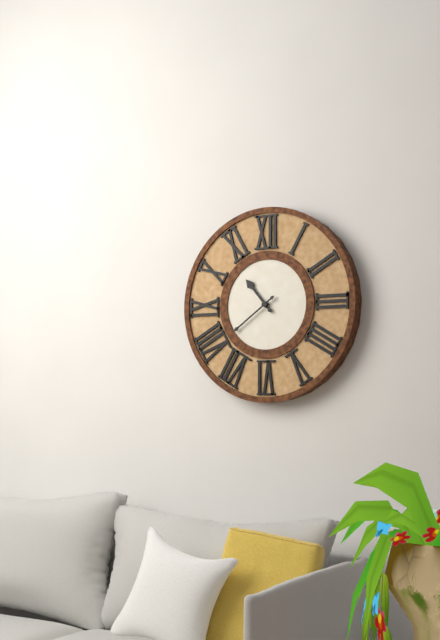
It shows h=10 m=39
